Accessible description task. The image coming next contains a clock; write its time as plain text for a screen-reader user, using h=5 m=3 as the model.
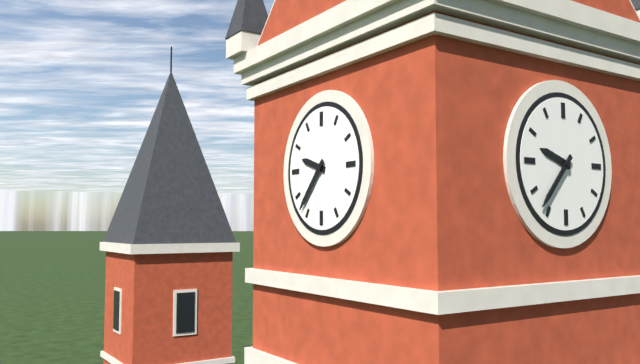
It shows h=9 m=37
